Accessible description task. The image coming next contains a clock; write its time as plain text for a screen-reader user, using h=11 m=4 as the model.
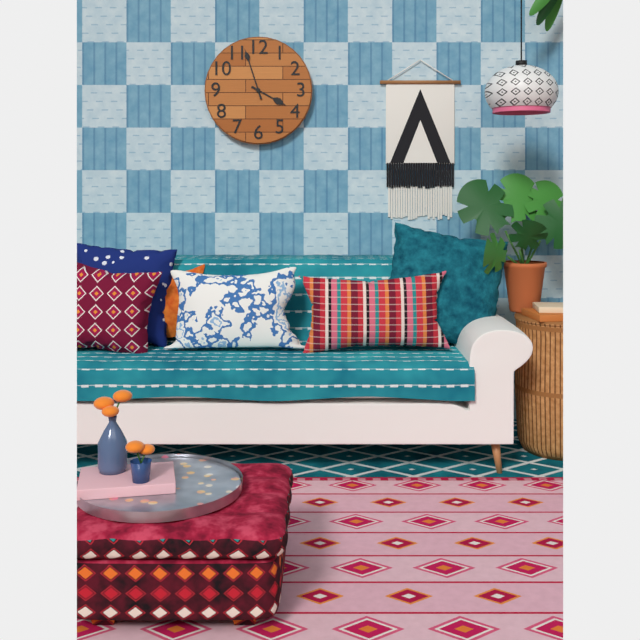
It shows h=3 m=57
